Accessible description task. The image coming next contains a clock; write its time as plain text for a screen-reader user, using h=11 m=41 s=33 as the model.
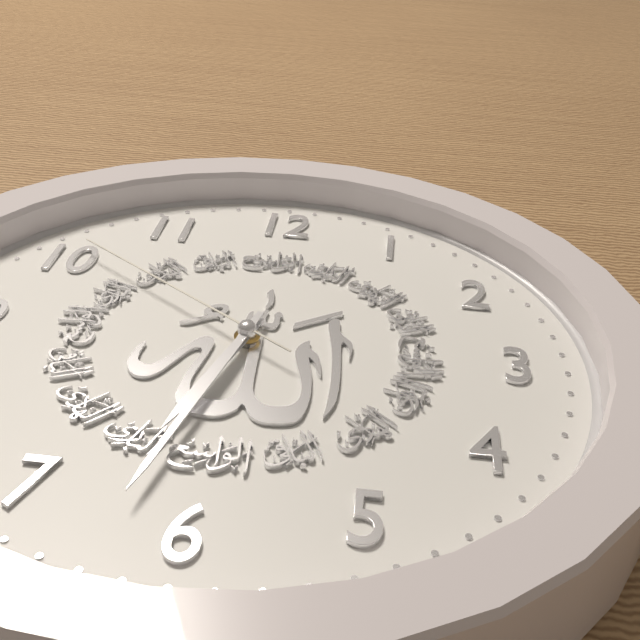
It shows h=6 m=32 s=51
